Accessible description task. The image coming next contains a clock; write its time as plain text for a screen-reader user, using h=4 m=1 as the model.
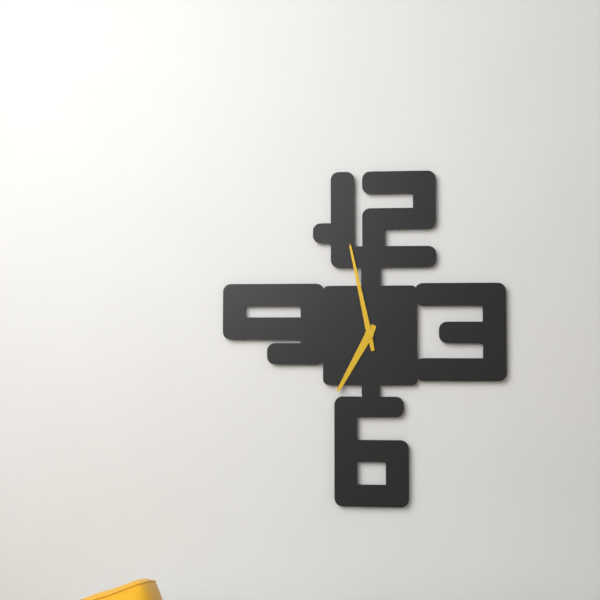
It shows h=6 m=58
